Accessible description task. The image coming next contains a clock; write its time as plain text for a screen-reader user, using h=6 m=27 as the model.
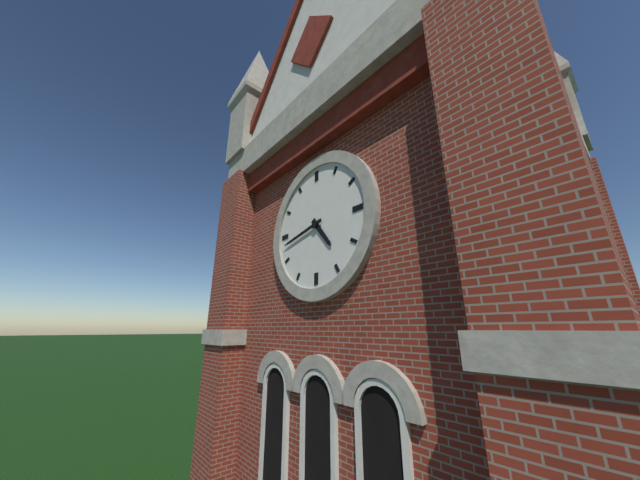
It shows h=4 m=43
